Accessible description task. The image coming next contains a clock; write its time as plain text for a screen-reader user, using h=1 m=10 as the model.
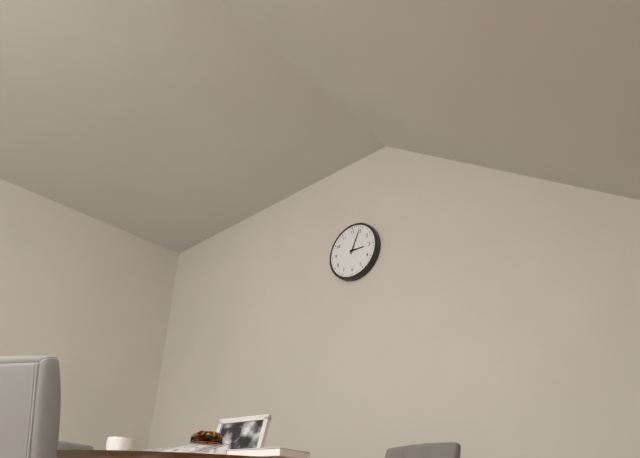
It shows h=3 m=4
